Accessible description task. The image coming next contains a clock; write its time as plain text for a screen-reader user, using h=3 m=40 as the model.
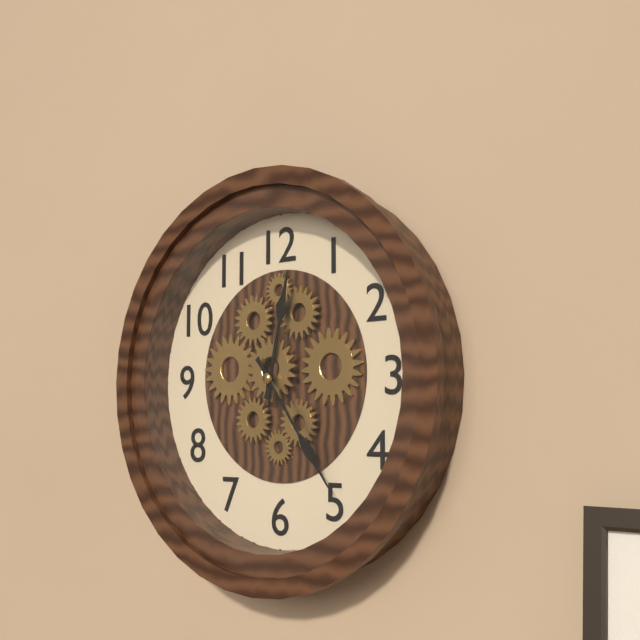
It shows h=12 m=24
